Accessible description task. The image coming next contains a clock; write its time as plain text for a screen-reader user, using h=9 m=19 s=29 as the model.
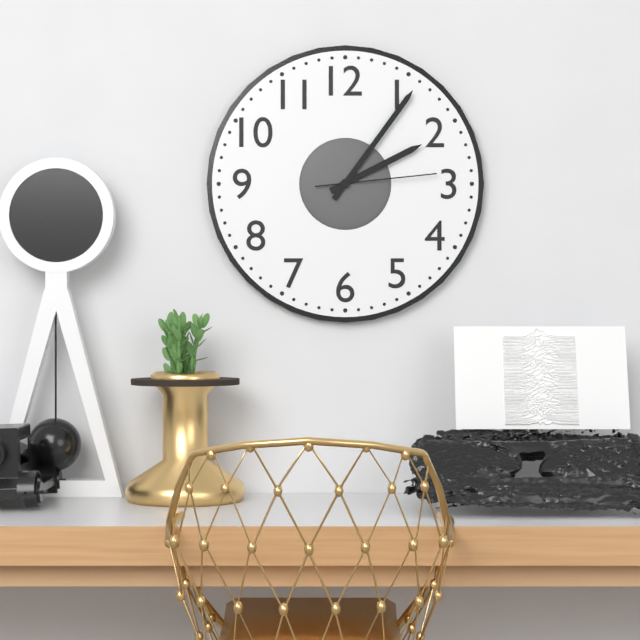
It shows h=2 m=6 s=14
